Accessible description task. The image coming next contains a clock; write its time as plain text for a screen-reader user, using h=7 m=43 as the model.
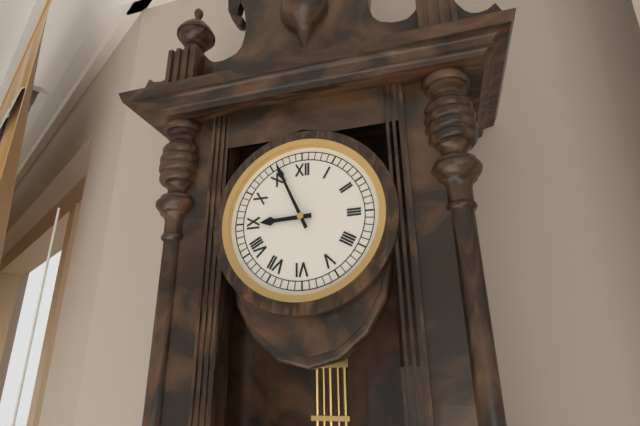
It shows h=8 m=56
